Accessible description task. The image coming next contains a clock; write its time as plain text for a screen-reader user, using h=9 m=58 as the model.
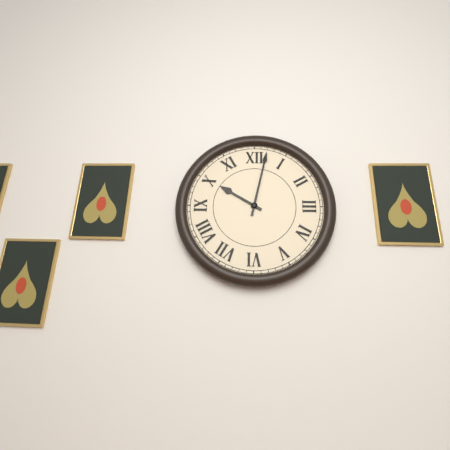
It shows h=10 m=2
